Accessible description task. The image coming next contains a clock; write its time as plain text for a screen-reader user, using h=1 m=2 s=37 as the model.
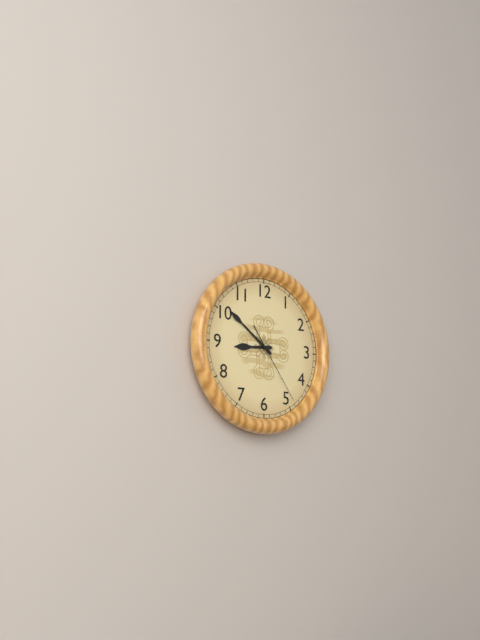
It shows h=8 m=51 s=24
